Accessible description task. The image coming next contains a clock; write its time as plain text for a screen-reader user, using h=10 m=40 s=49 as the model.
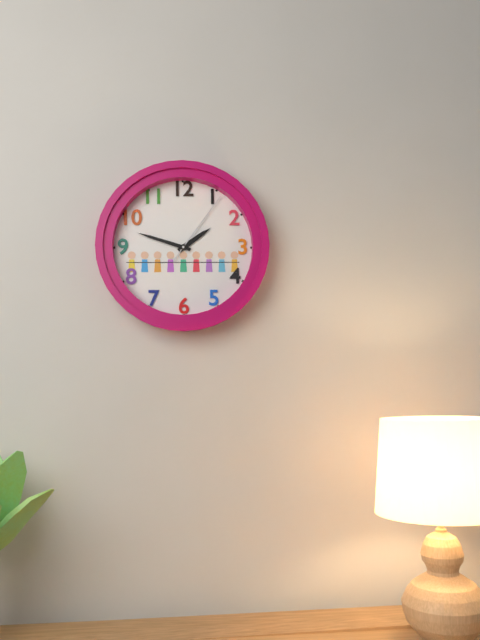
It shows h=1 m=48 s=6
